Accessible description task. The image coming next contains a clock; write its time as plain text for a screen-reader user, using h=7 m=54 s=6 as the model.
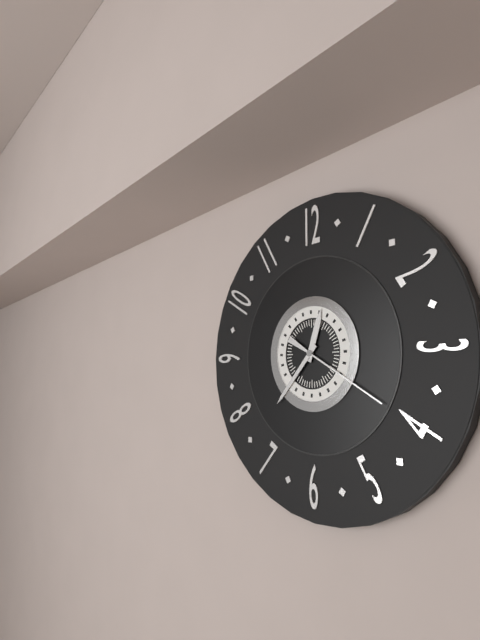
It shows h=12 m=37 s=20
